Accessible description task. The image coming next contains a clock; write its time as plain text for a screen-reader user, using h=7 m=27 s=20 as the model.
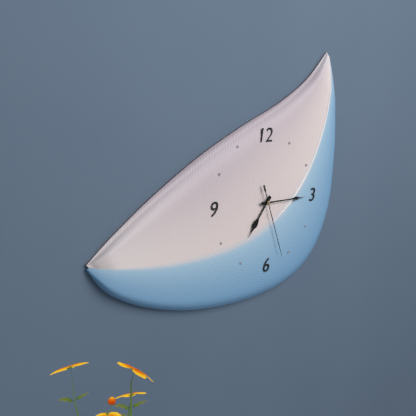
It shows h=7 m=15 s=27
